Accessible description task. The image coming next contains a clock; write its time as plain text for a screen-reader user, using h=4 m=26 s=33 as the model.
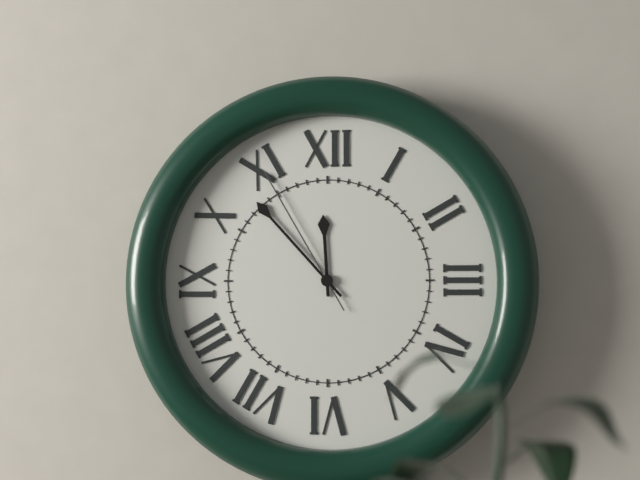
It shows h=11 m=53 s=55
